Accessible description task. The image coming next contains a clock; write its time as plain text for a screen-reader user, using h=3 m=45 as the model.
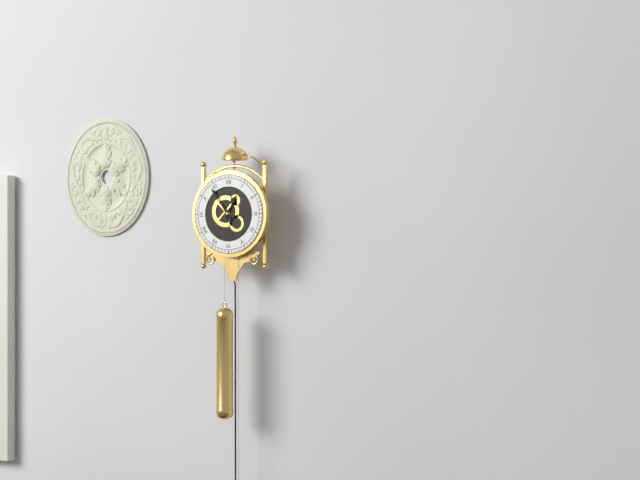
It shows h=12 m=54
